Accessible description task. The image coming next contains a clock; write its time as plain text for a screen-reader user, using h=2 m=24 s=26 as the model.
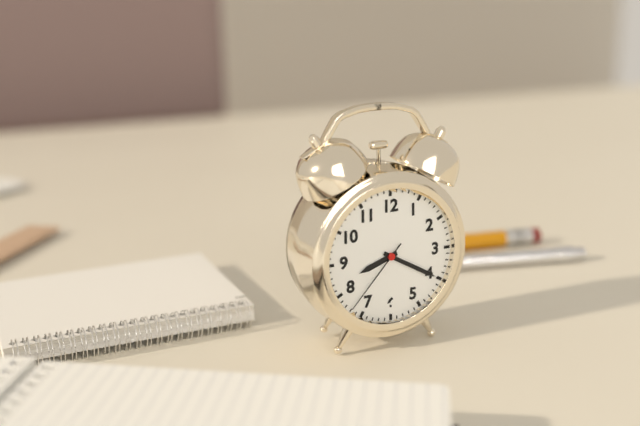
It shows h=8 m=20 s=37
